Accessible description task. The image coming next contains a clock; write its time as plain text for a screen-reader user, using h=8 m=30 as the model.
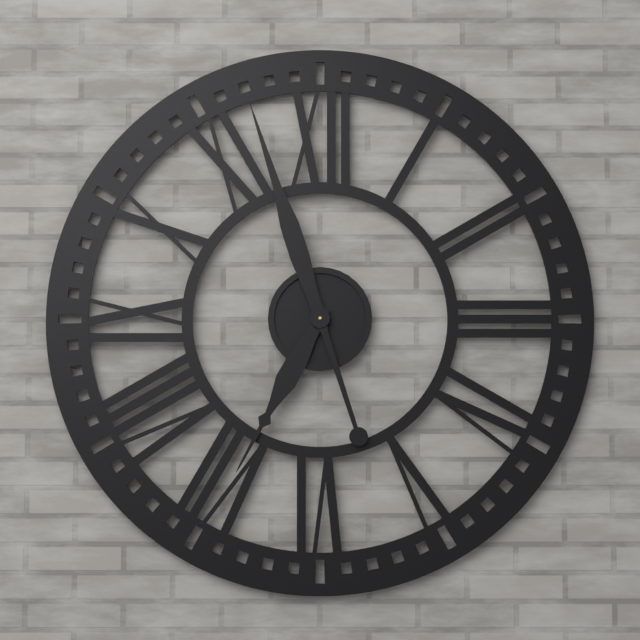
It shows h=6 m=57
